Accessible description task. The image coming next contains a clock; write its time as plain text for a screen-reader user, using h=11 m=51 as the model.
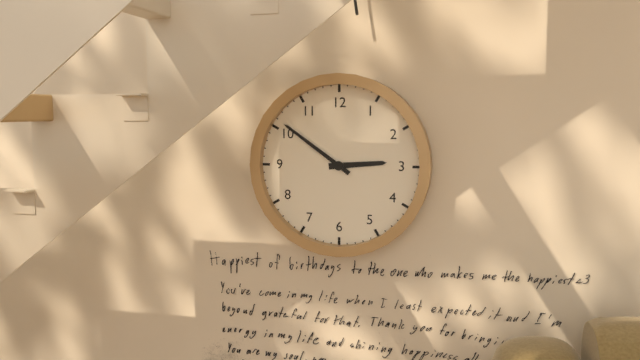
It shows h=2 m=51
